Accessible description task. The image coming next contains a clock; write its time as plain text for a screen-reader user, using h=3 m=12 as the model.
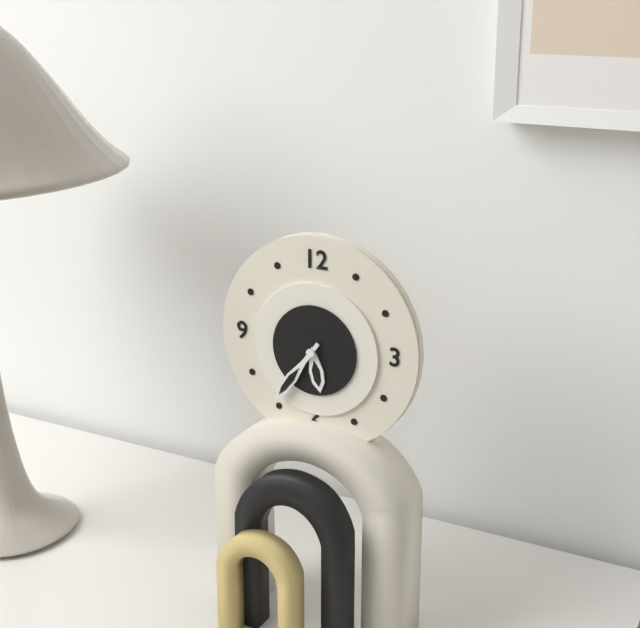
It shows h=5 m=36
